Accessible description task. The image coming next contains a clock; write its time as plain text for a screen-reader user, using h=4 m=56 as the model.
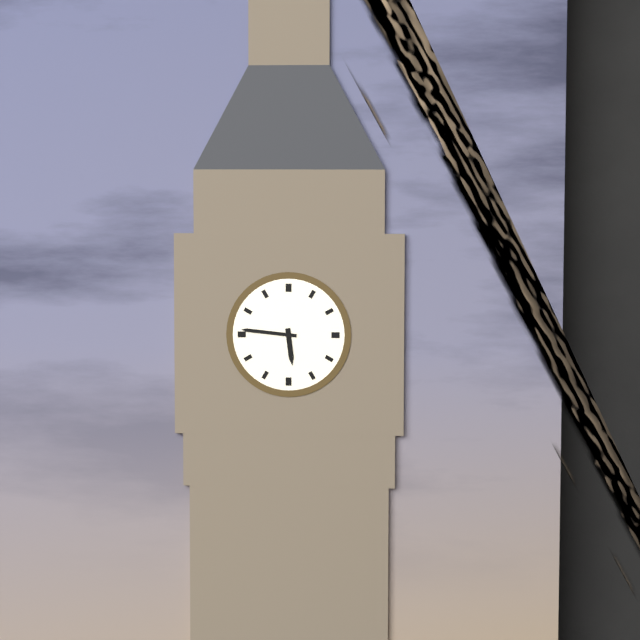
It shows h=5 m=46
